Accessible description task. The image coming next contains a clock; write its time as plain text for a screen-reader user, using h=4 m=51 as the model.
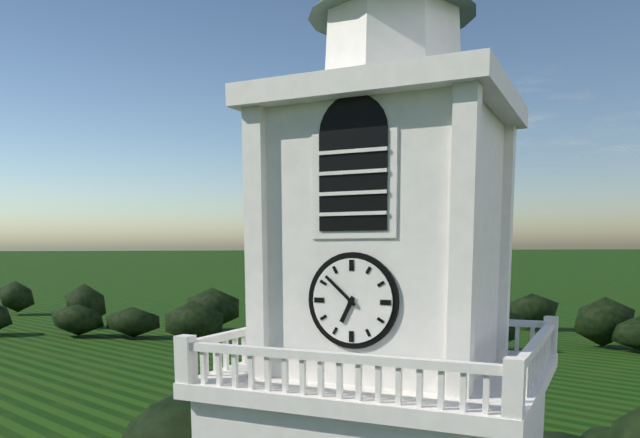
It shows h=6 m=52
